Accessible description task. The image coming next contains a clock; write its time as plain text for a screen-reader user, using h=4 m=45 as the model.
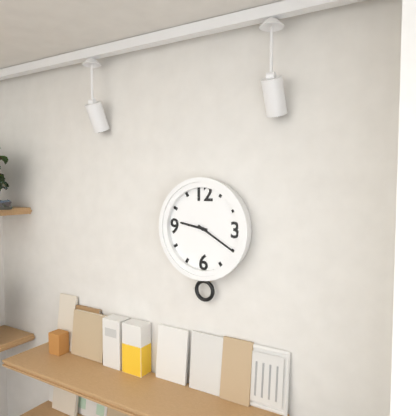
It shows h=9 m=20
